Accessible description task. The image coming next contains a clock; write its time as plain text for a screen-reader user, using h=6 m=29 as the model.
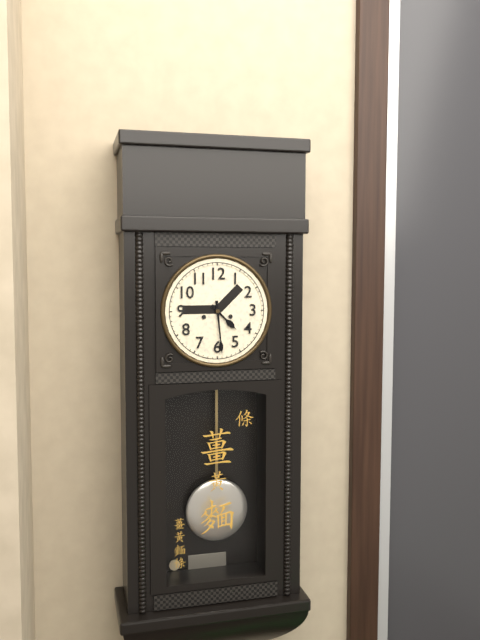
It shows h=4 m=29
